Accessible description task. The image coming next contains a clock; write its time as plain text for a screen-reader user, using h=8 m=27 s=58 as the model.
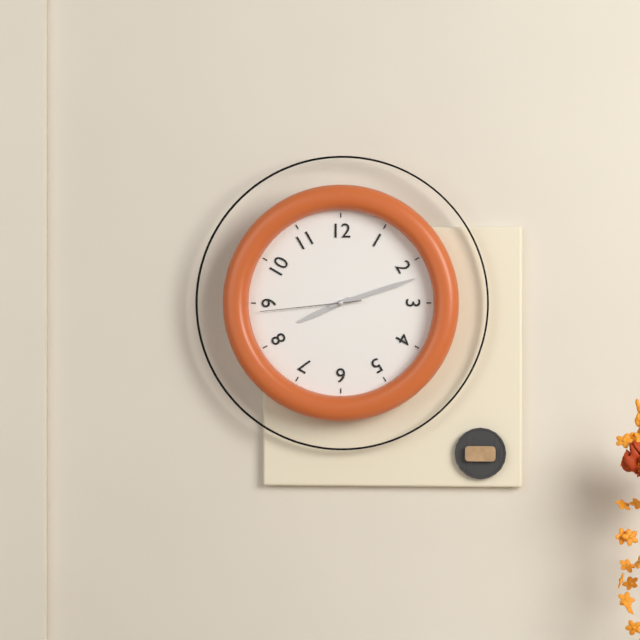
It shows h=8 m=12 s=44
